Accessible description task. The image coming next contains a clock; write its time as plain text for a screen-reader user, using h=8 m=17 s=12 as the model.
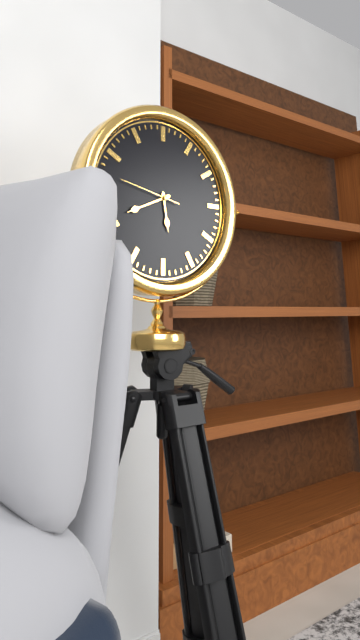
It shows h=5 m=41 s=47
